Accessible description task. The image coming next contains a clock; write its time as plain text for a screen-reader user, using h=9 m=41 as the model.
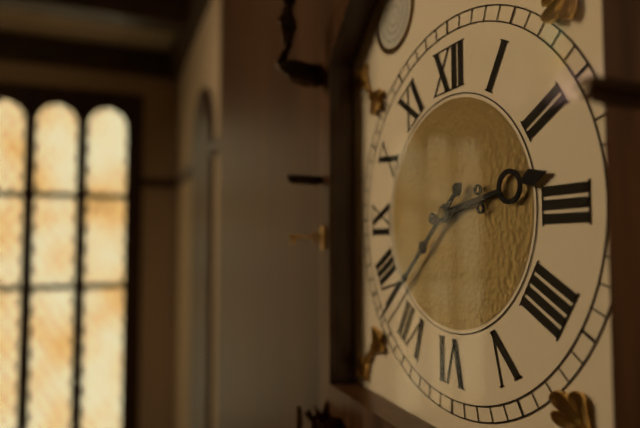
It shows h=2 m=38
